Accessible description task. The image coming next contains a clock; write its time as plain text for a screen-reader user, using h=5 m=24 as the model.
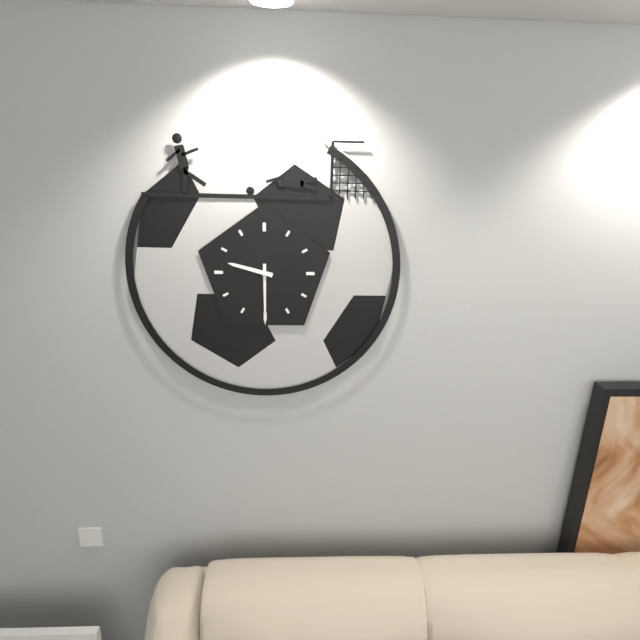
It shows h=9 m=30
